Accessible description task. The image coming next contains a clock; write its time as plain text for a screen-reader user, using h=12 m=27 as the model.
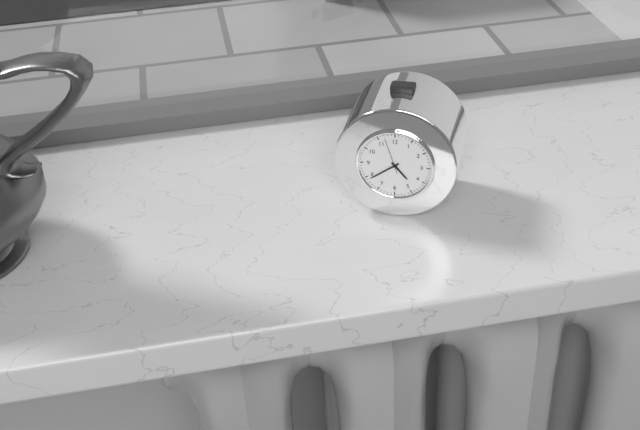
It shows h=4 m=39
